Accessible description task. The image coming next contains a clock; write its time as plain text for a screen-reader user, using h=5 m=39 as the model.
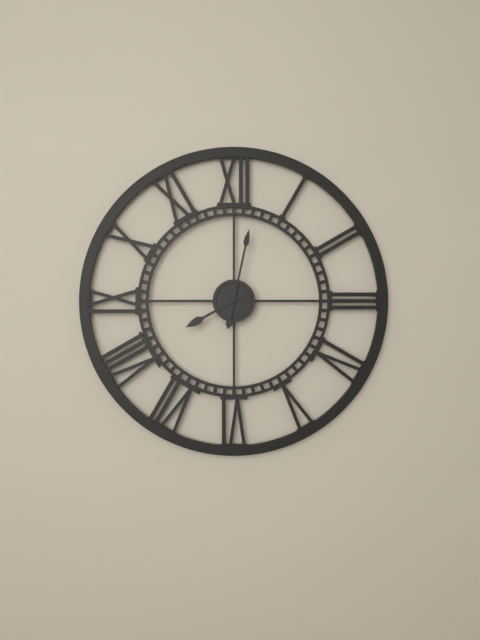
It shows h=8 m=2
